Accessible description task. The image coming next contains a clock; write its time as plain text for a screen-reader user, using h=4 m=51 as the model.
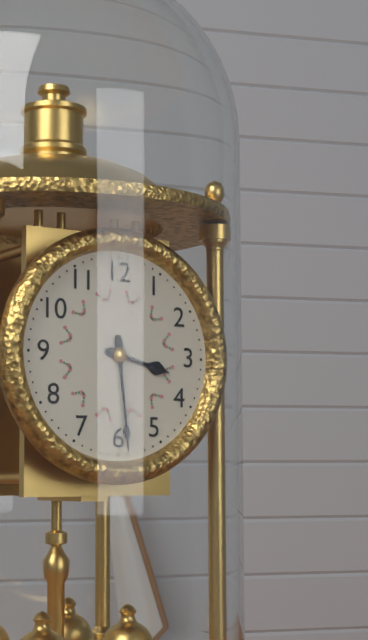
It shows h=3 m=29
